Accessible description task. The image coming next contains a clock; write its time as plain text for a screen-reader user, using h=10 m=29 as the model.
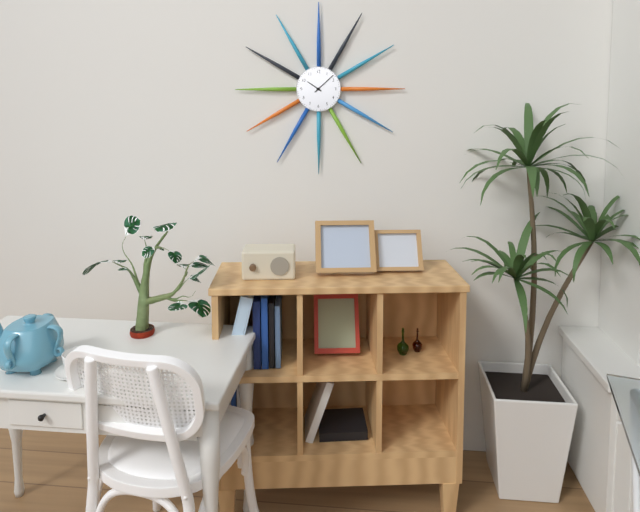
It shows h=10 m=8
